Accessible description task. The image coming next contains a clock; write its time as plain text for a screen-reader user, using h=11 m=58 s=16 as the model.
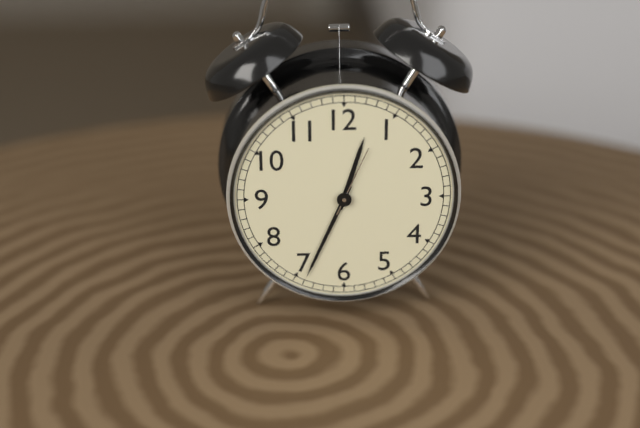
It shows h=12 m=34 s=4
